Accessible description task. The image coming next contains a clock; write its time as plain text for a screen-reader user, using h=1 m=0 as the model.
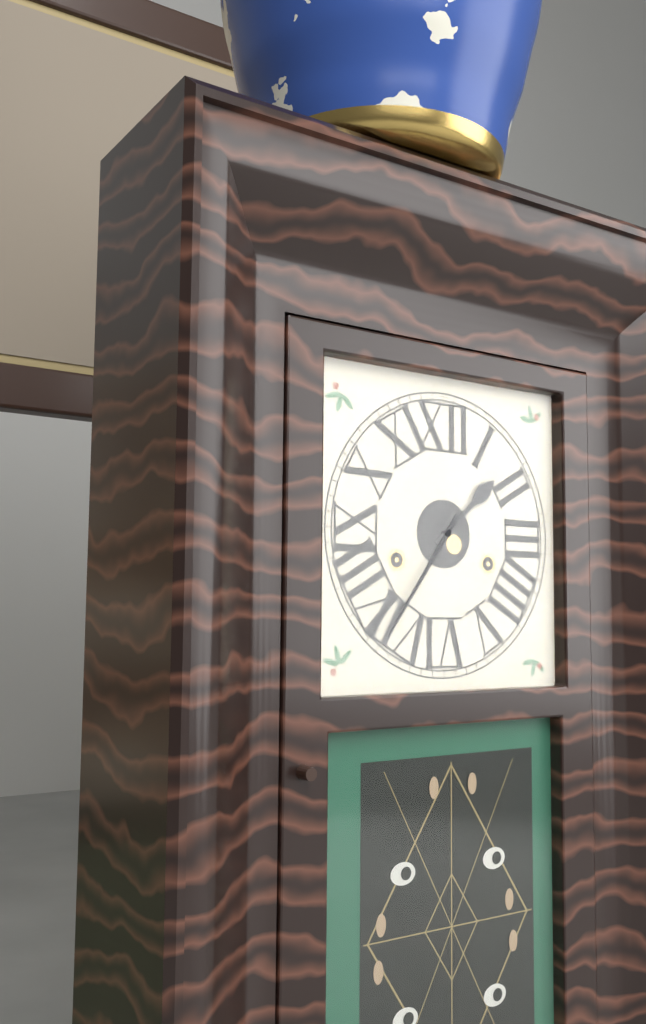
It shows h=1 m=36
